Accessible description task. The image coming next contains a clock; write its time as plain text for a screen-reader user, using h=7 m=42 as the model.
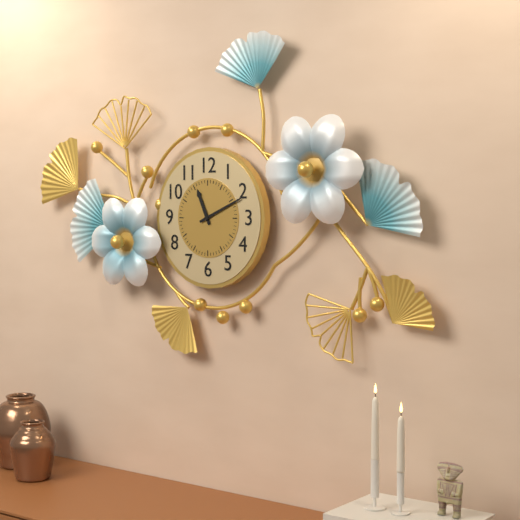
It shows h=11 m=11
